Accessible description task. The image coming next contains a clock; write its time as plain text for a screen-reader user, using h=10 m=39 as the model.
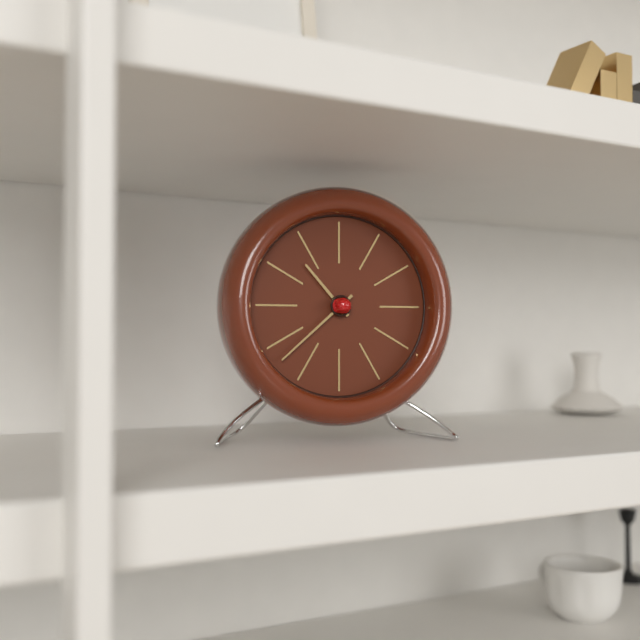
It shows h=10 m=38
